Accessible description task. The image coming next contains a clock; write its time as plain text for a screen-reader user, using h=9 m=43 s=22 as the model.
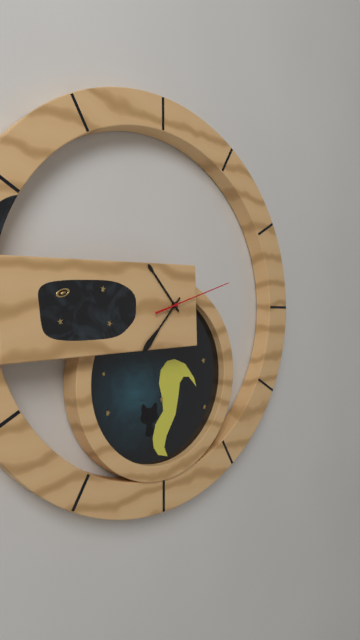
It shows h=10 m=37 s=12
